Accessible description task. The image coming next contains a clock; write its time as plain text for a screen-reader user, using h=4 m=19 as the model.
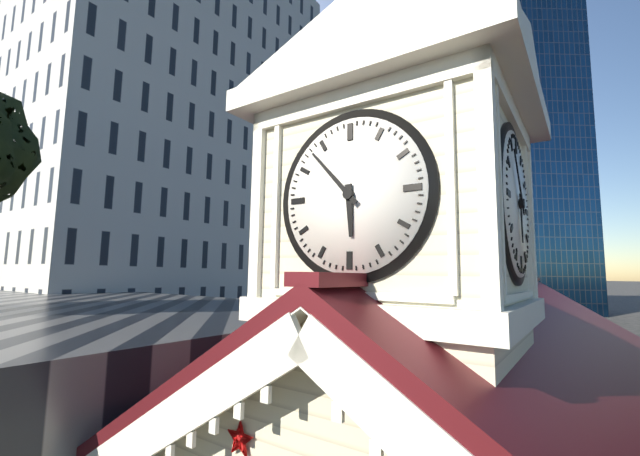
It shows h=5 m=53
